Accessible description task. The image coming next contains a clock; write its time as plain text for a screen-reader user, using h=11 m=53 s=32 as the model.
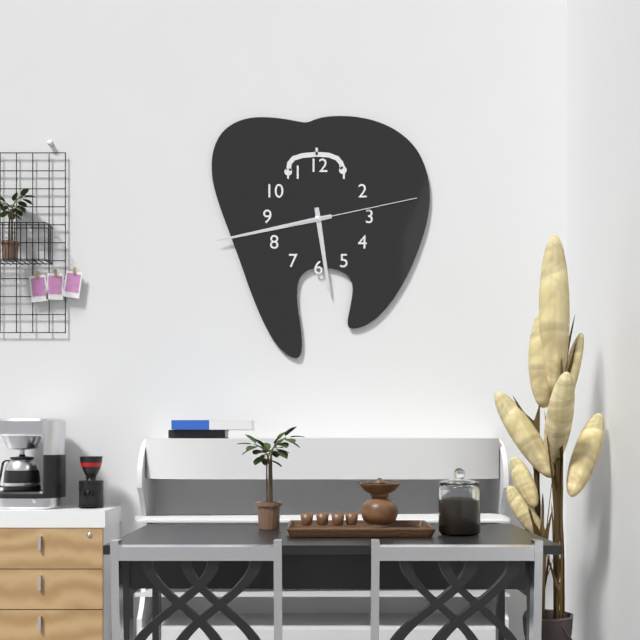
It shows h=5 m=43 s=13
